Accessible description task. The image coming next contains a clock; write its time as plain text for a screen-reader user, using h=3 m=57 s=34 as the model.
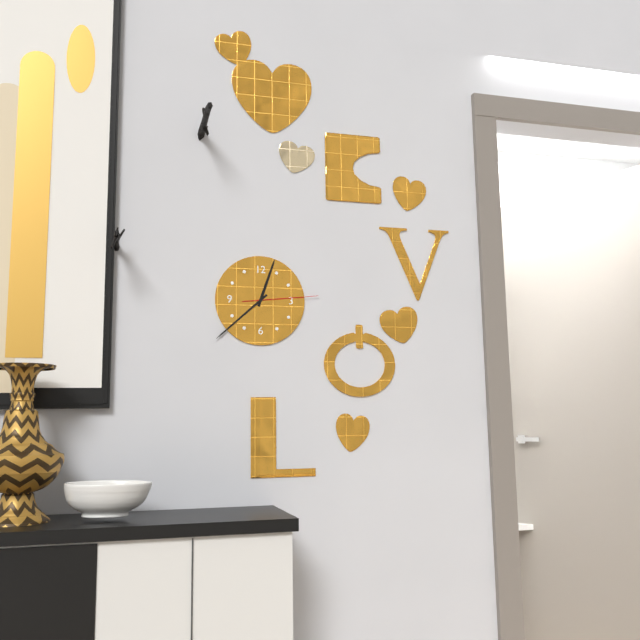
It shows h=12 m=38 s=14
